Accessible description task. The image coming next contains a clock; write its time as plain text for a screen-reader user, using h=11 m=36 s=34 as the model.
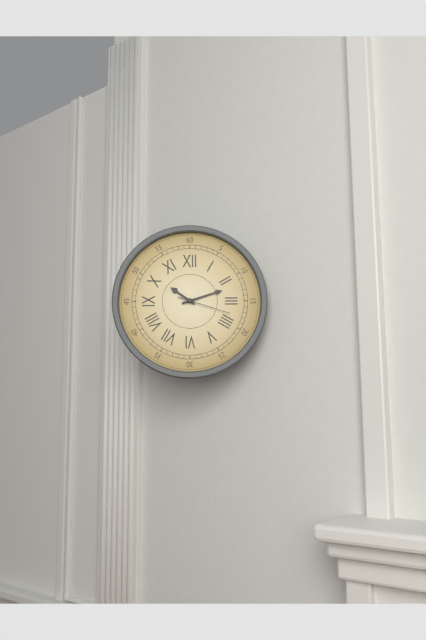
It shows h=10 m=12 s=18
